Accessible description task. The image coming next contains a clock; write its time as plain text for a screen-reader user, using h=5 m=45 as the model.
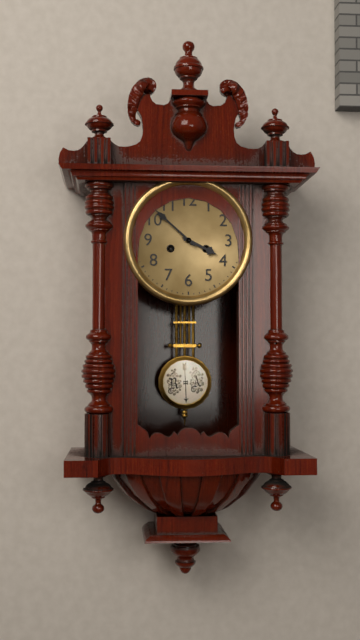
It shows h=3 m=52
